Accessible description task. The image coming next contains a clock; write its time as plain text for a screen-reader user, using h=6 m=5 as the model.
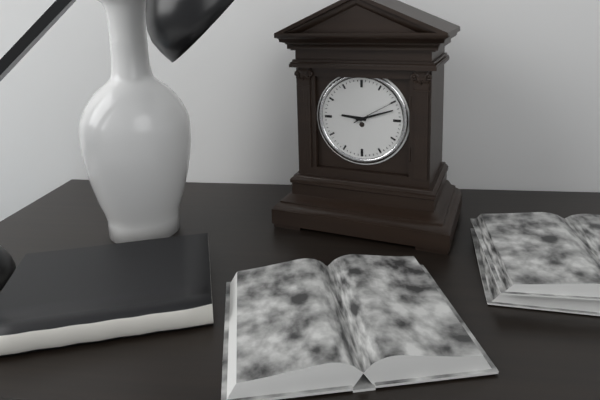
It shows h=9 m=12
